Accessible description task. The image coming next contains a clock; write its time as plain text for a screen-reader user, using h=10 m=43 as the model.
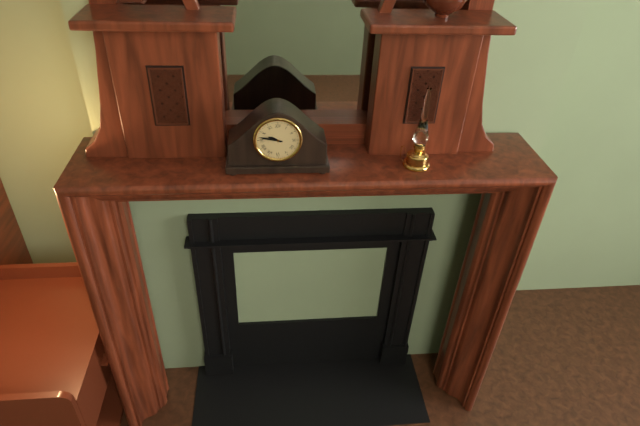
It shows h=9 m=47
